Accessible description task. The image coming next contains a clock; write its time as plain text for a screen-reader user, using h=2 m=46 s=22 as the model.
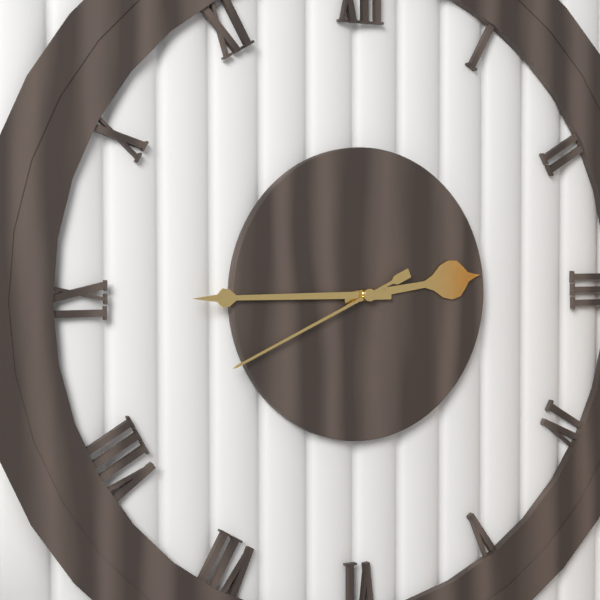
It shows h=2 m=45 s=41
